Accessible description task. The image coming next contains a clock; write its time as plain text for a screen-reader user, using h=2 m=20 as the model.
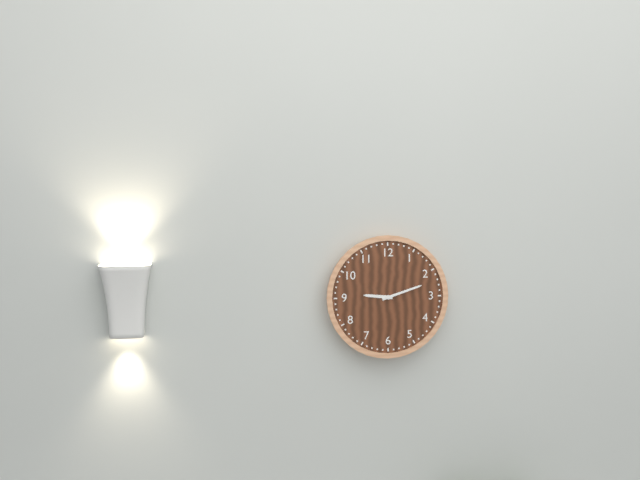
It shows h=9 m=12
